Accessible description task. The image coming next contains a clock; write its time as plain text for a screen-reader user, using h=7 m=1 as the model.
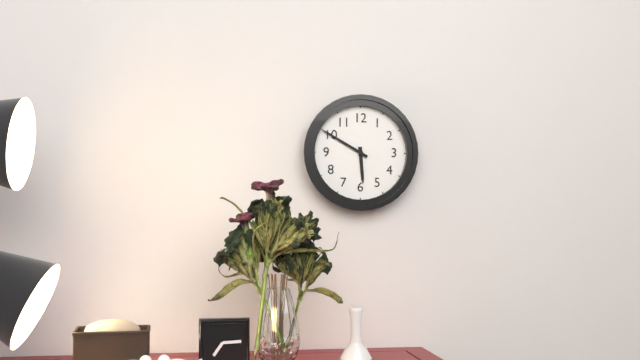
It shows h=5 m=50
